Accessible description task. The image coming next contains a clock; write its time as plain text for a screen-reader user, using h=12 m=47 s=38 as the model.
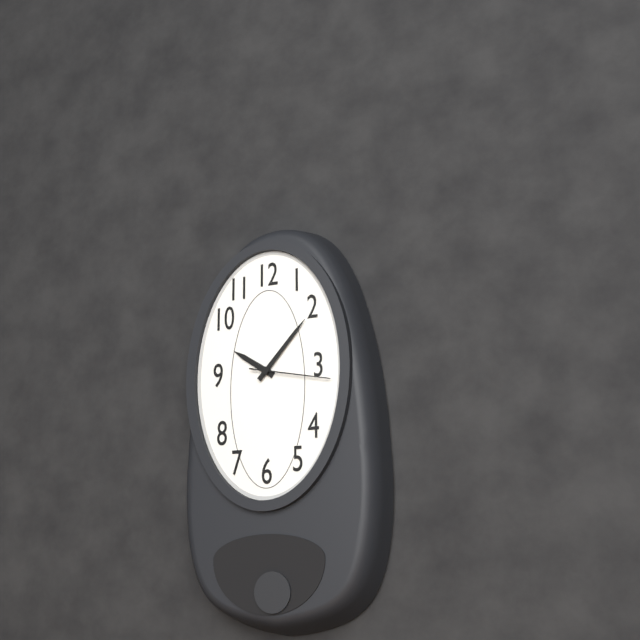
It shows h=10 m=7 s=17
